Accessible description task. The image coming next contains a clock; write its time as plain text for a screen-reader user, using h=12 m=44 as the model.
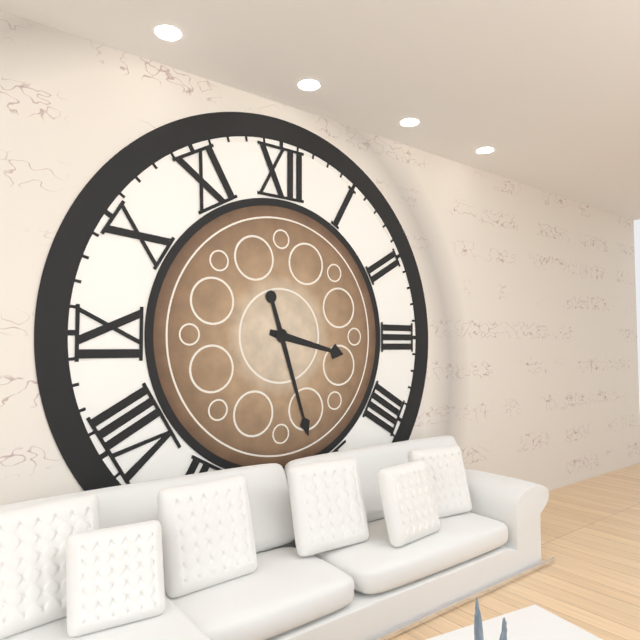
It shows h=3 m=27
